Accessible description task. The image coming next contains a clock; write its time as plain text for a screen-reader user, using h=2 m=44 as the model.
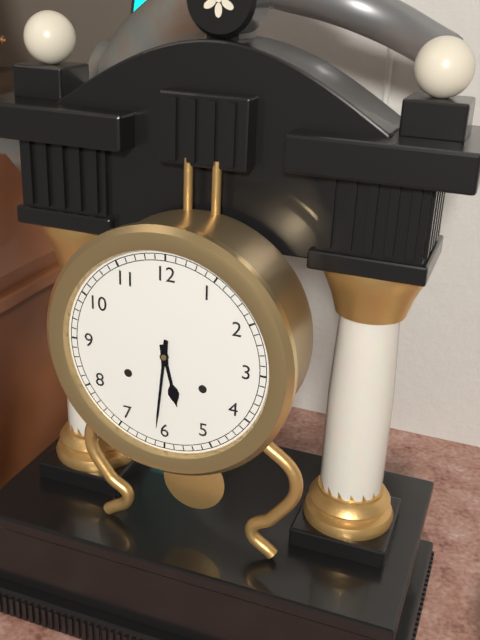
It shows h=5 m=31
